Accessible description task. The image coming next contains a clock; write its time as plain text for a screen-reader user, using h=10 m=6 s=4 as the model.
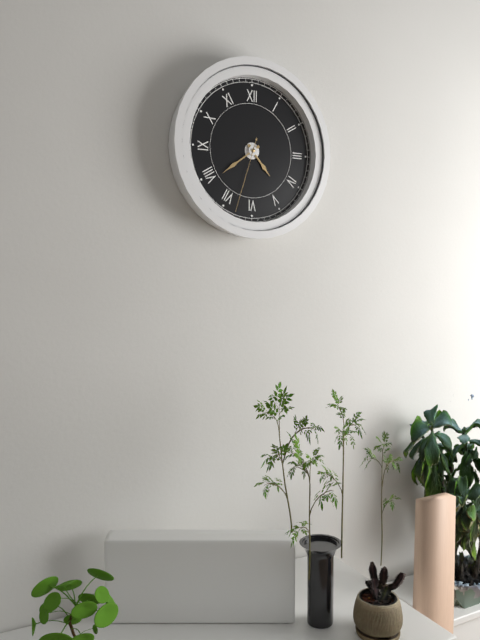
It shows h=4 m=39 s=33
